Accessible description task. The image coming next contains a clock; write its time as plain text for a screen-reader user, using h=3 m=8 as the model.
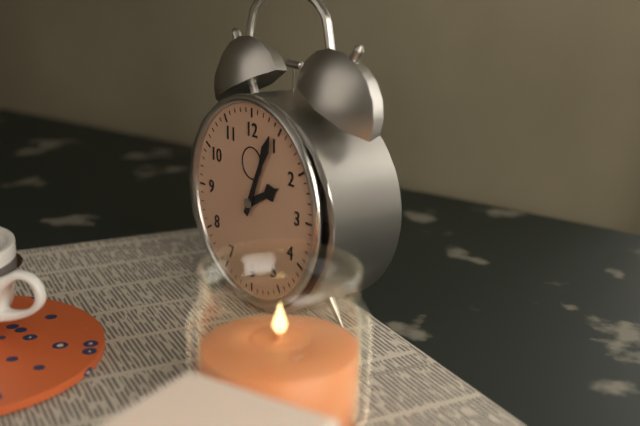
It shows h=2 m=4
